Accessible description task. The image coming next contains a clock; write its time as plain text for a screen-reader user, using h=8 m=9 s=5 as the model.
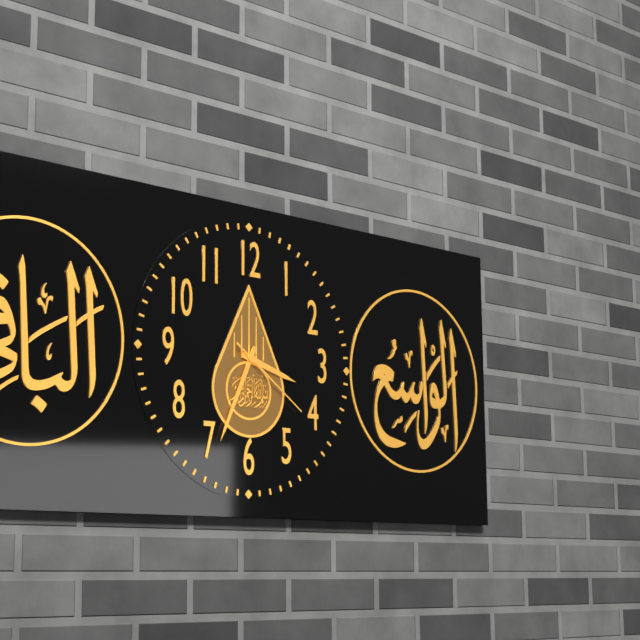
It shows h=3 m=34 s=21
